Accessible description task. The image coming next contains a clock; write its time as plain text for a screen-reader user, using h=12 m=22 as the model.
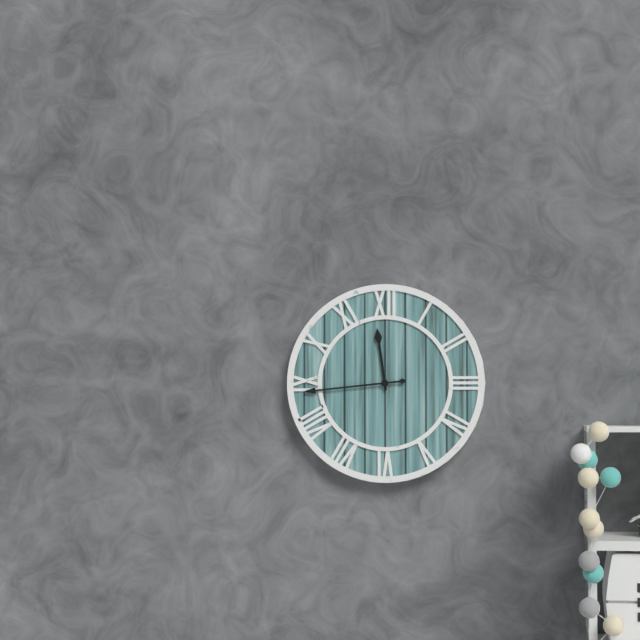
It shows h=11 m=44
